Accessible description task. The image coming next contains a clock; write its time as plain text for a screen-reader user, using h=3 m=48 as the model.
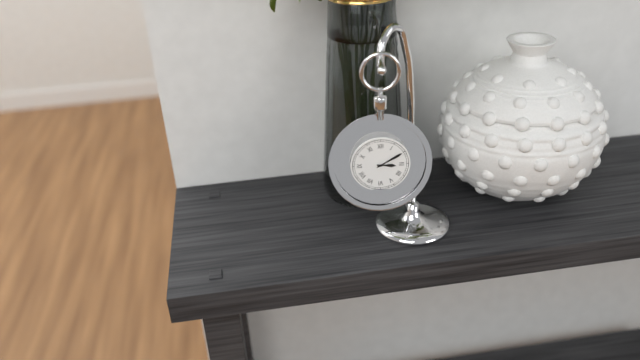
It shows h=3 m=10
